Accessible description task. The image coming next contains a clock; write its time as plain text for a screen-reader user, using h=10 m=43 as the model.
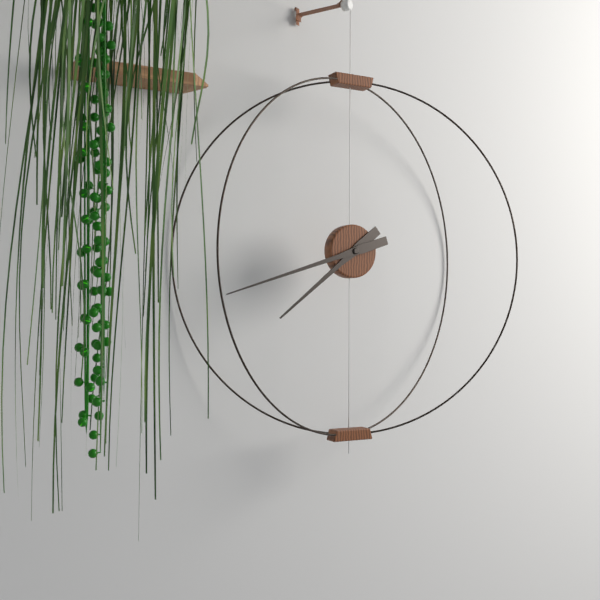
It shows h=7 m=42
